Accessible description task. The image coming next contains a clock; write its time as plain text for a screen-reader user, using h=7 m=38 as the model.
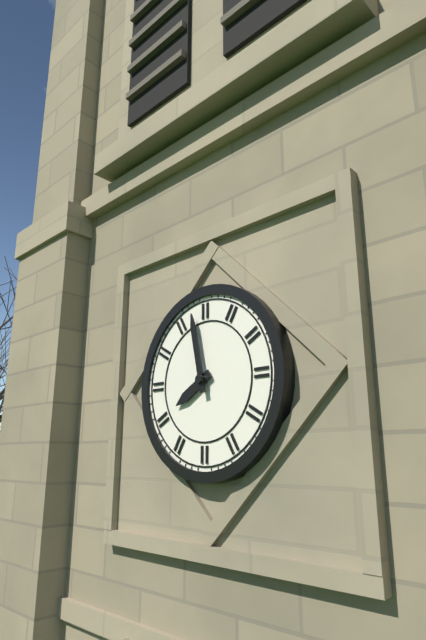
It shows h=7 m=58
